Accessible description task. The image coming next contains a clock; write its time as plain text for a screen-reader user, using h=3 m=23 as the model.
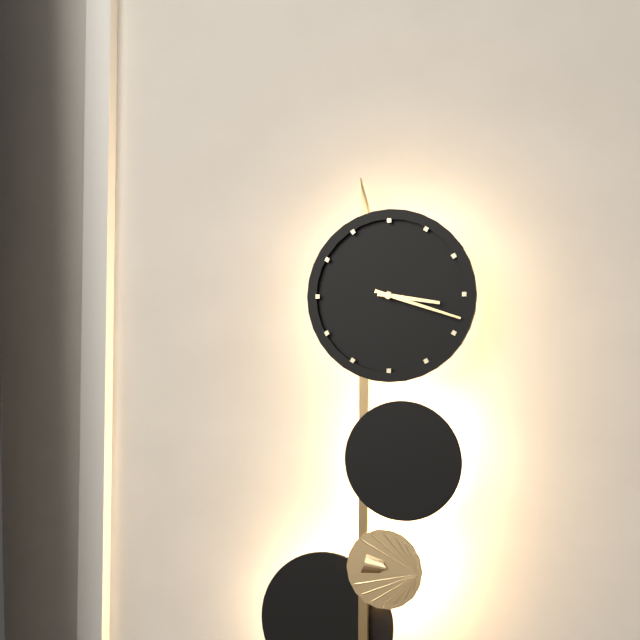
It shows h=3 m=18
